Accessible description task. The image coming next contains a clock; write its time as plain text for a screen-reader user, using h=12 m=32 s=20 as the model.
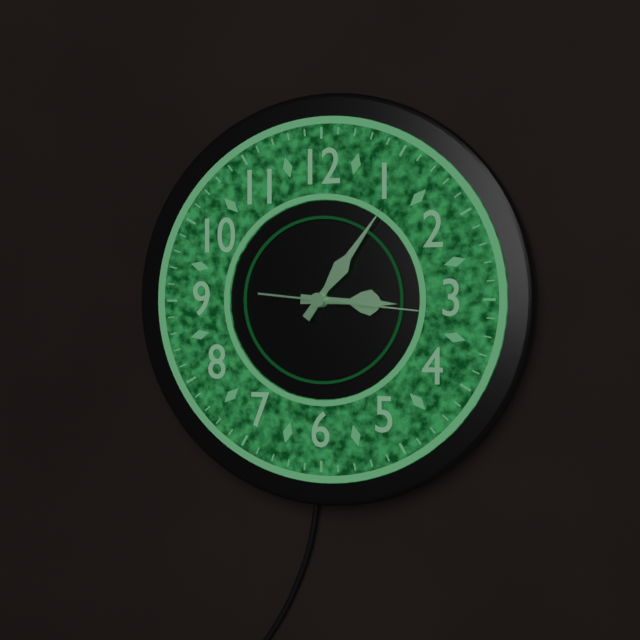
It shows h=3 m=6 s=16
